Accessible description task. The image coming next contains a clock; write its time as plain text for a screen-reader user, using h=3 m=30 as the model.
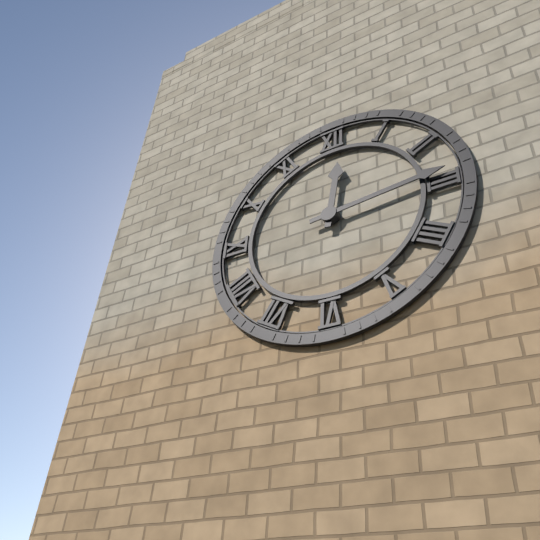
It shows h=12 m=14
